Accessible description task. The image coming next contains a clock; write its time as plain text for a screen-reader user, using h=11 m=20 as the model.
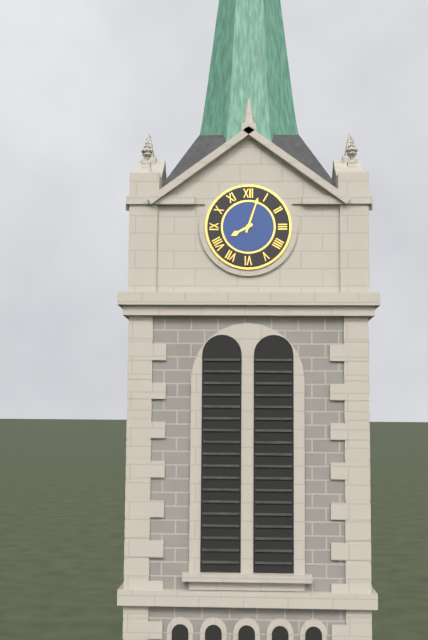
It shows h=8 m=3
